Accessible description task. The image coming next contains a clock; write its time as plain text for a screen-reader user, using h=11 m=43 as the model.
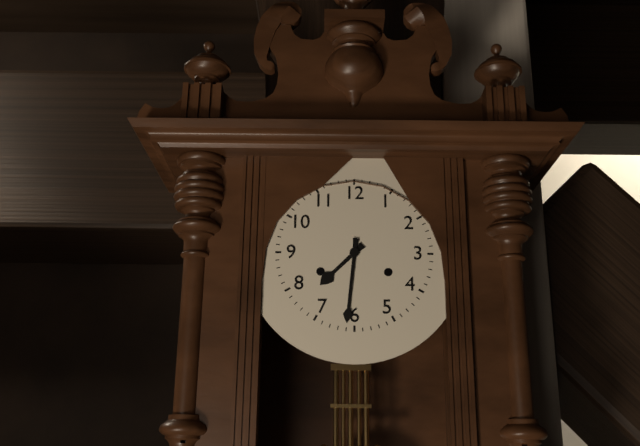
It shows h=7 m=31
